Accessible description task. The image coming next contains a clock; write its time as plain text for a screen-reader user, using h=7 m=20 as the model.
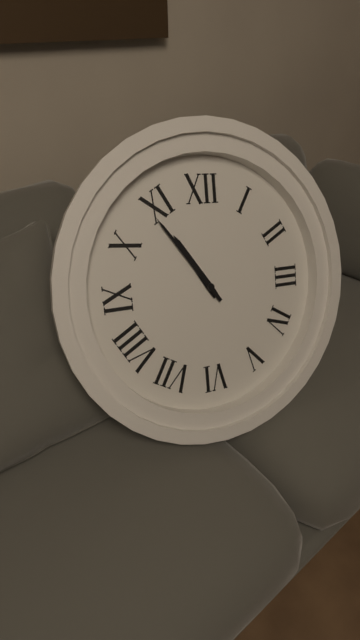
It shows h=10 m=54
